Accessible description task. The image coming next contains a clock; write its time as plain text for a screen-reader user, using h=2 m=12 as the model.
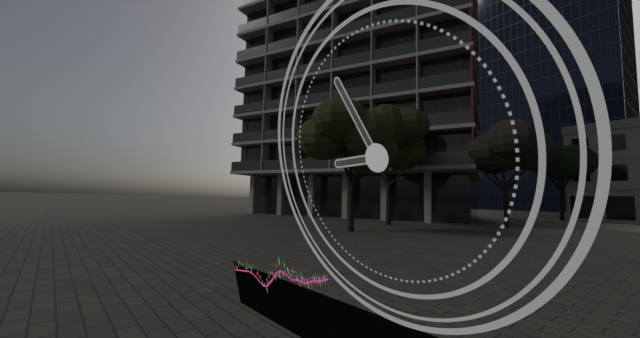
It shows h=8 m=56
